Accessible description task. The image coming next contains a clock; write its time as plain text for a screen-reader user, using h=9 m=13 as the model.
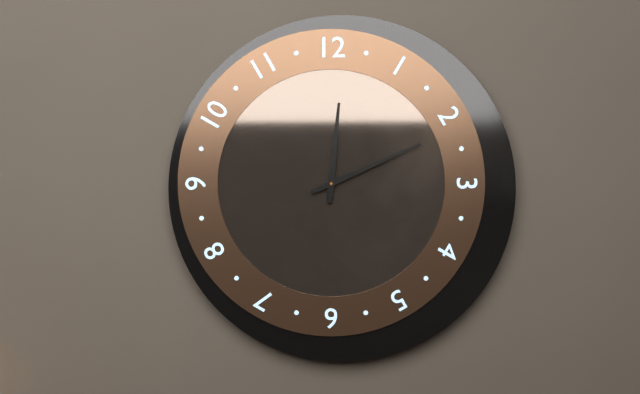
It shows h=12 m=11
